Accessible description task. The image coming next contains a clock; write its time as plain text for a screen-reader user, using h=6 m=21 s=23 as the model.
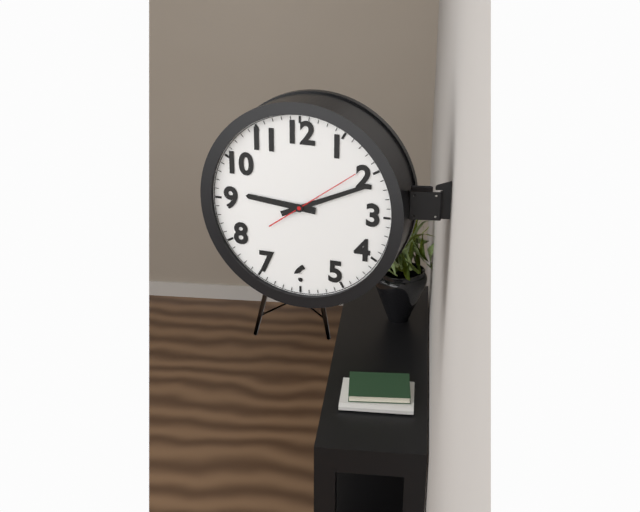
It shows h=9 m=11 s=9
